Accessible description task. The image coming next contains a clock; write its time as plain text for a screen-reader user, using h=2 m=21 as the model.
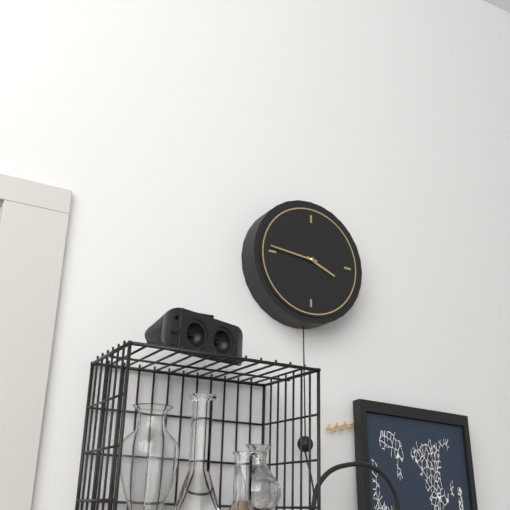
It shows h=3 m=46
